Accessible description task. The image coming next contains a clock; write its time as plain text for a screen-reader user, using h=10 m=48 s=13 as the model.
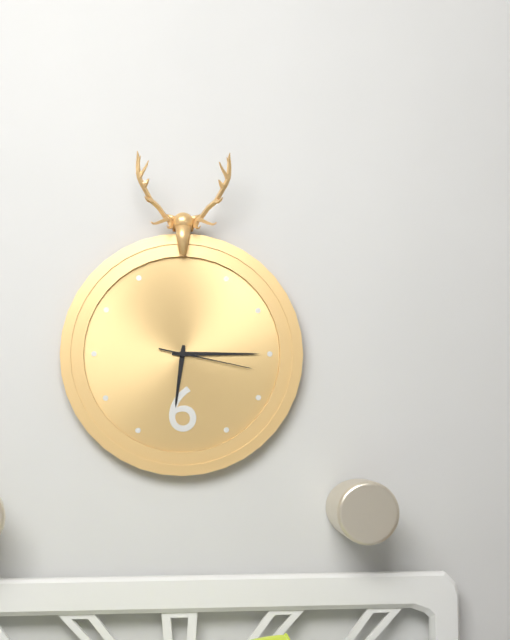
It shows h=6 m=15 s=17
